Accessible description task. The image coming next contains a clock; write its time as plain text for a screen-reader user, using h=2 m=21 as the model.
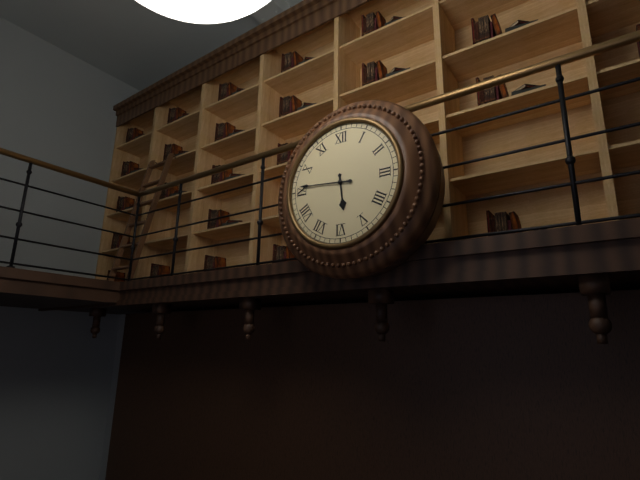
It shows h=5 m=46
